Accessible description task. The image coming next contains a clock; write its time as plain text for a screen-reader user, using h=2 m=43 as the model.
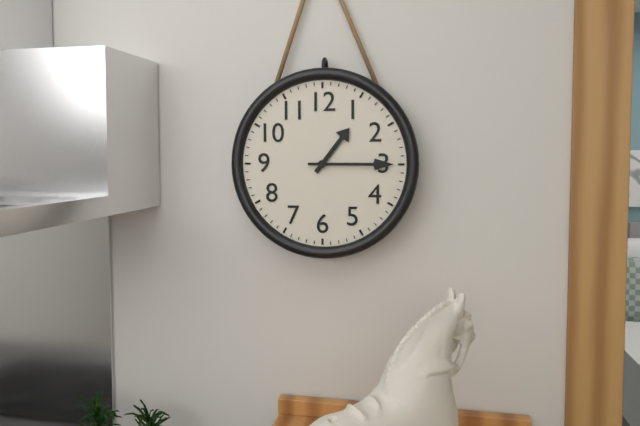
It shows h=1 m=15
